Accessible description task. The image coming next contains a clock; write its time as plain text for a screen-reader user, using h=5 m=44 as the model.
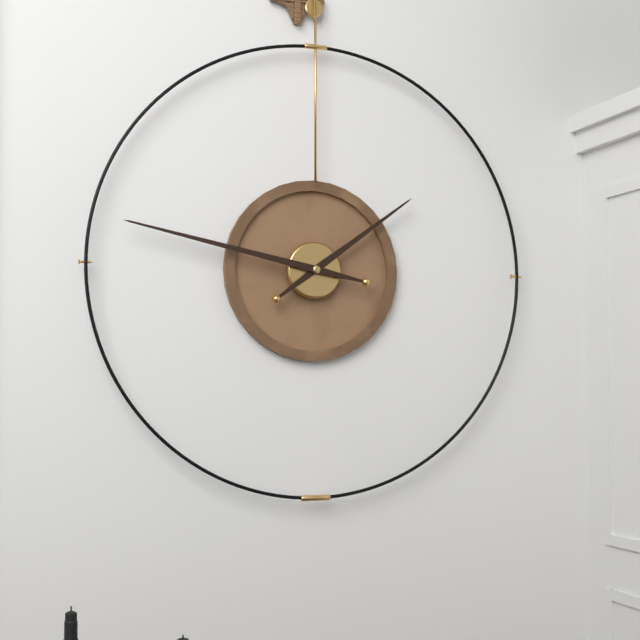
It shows h=1 m=47
